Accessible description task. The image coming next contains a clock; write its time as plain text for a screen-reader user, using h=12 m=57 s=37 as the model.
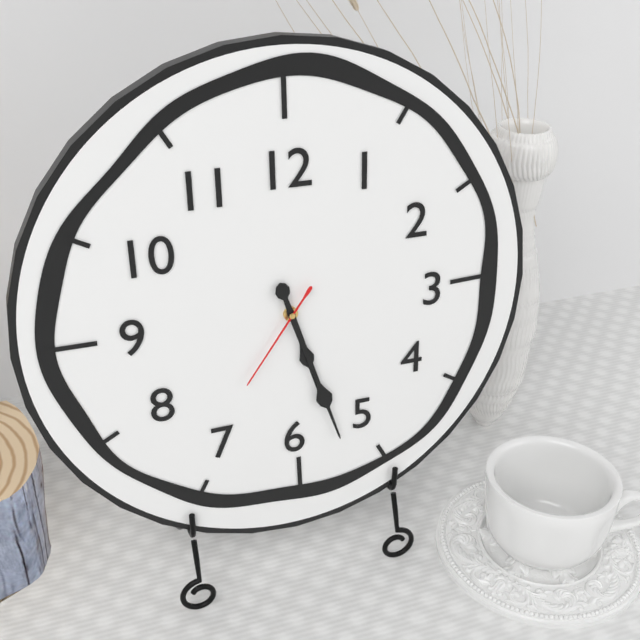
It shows h=5 m=27 s=36
